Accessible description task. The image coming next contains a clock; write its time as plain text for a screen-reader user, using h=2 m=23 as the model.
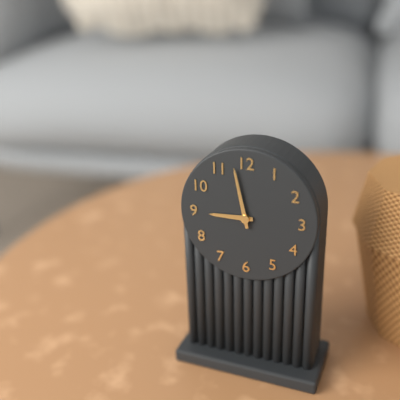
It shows h=8 m=58
